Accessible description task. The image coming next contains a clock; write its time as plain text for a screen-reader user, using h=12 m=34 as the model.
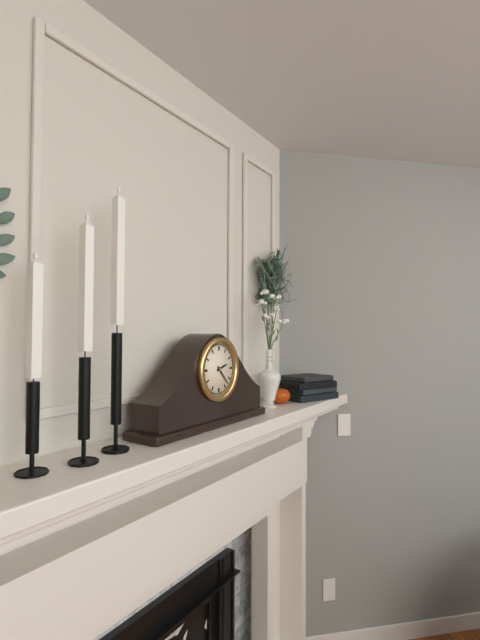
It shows h=2 m=23
